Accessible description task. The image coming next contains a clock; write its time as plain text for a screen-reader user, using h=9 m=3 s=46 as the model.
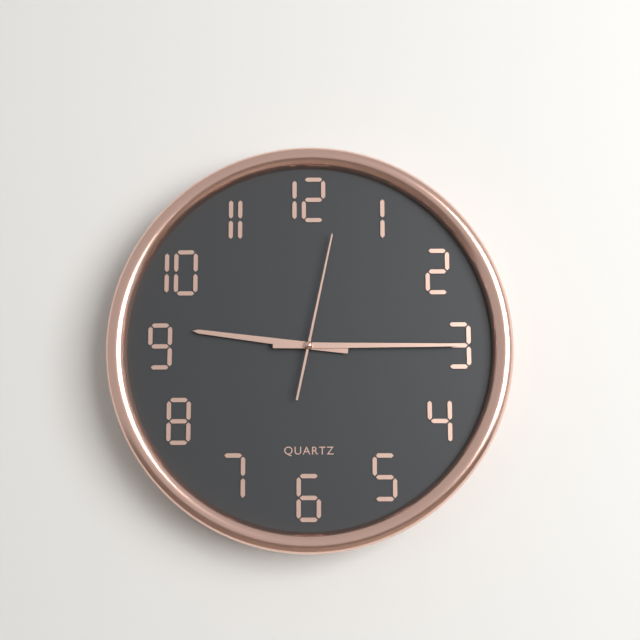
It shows h=9 m=15 s=2
